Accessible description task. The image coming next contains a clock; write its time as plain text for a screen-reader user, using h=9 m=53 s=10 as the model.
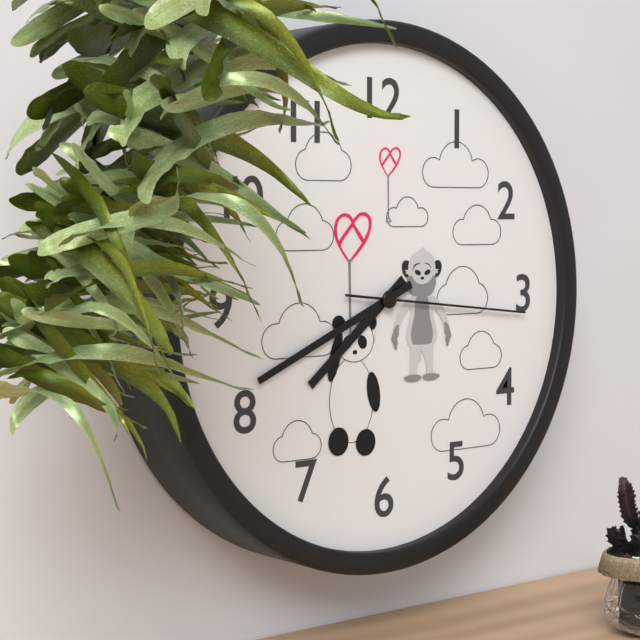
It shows h=7 m=41 s=16
